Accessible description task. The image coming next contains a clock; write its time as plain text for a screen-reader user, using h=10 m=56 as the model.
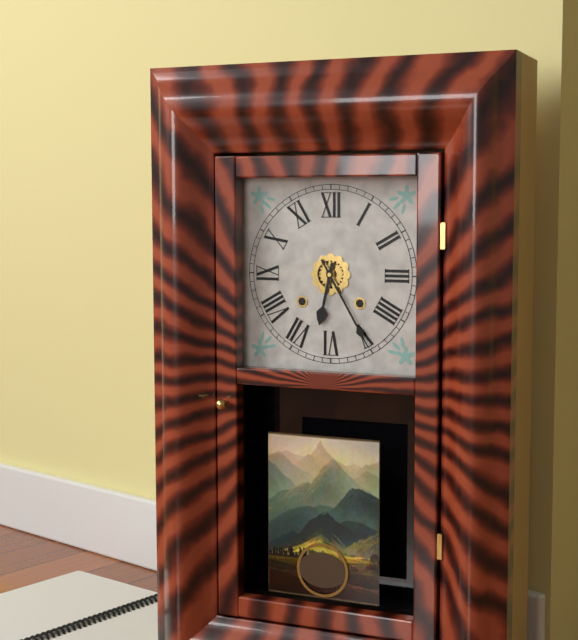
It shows h=6 m=25
